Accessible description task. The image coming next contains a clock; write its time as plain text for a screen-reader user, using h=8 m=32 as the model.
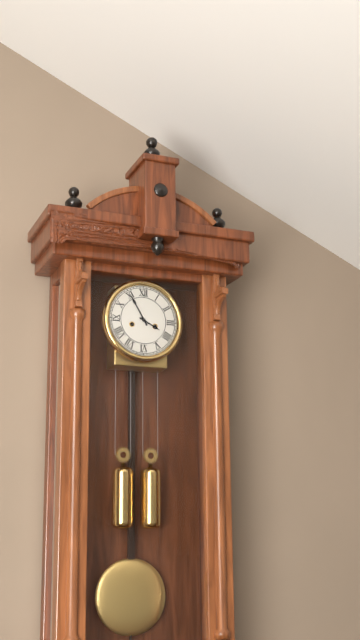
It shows h=3 m=55
